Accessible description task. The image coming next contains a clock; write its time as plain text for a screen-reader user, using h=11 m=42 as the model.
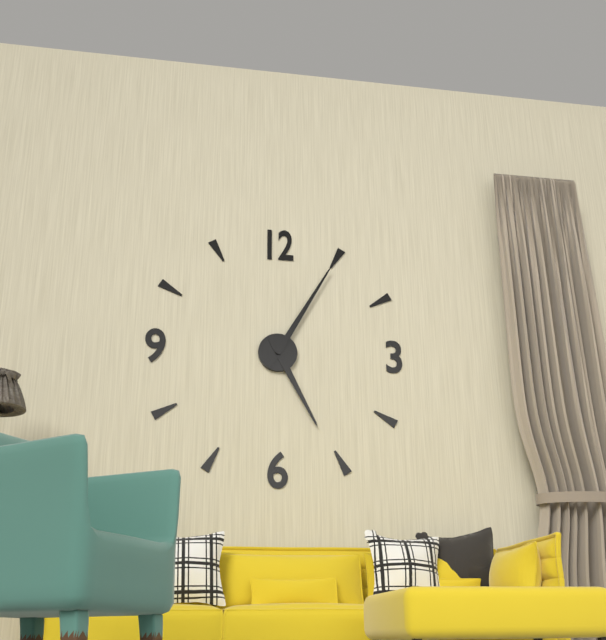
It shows h=5 m=5
